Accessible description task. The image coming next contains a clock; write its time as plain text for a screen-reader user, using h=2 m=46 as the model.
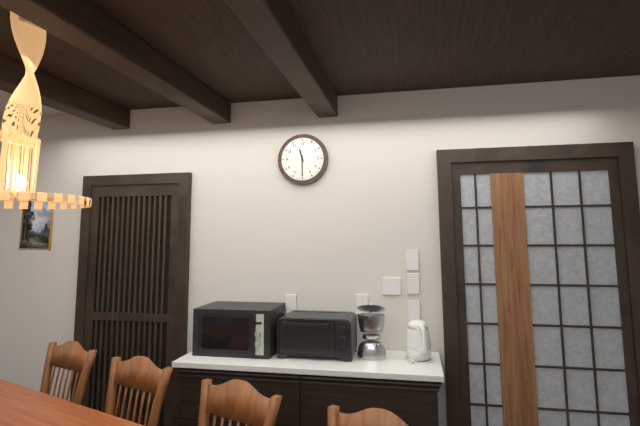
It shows h=11 m=30
